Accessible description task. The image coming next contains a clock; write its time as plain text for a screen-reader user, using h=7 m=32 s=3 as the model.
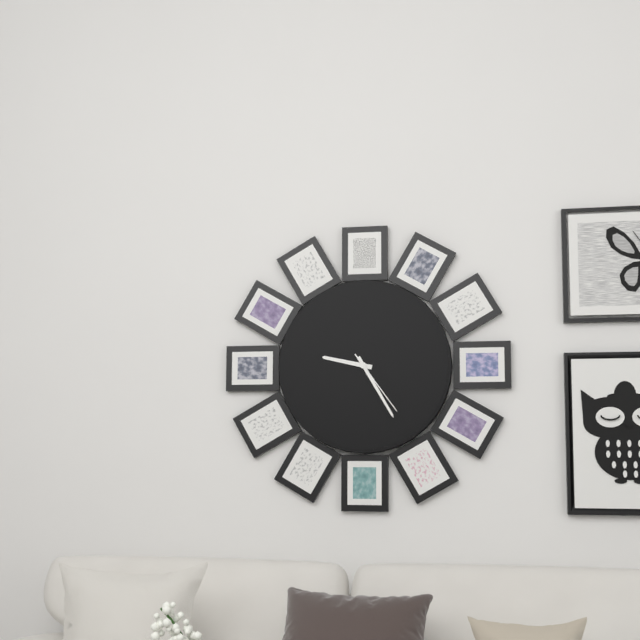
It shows h=9 m=25 s=24
